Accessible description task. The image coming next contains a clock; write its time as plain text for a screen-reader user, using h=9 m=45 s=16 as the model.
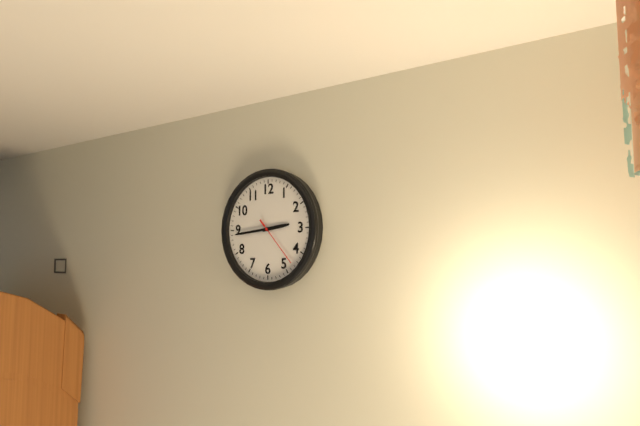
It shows h=2 m=44 s=23
